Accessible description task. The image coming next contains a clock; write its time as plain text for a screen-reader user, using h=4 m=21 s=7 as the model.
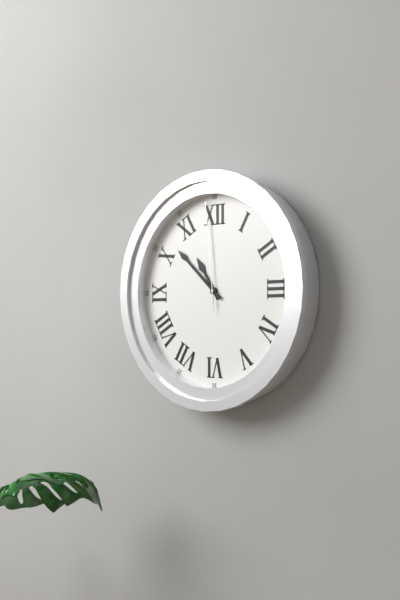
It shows h=10 m=52 s=59
